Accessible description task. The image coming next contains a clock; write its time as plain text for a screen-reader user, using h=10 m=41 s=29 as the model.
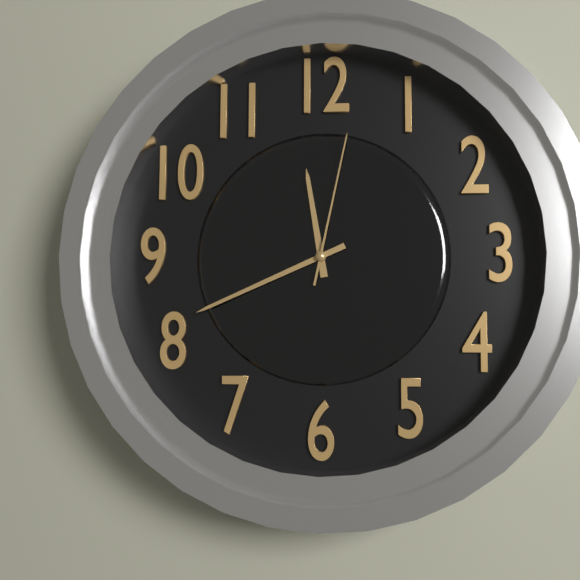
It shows h=11 m=41 s=2
